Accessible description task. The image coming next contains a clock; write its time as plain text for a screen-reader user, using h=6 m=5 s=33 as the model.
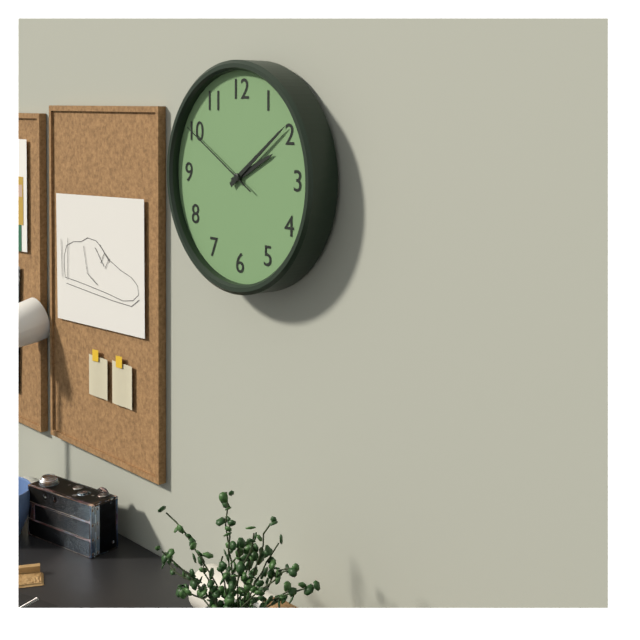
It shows h=2 m=9 s=50
